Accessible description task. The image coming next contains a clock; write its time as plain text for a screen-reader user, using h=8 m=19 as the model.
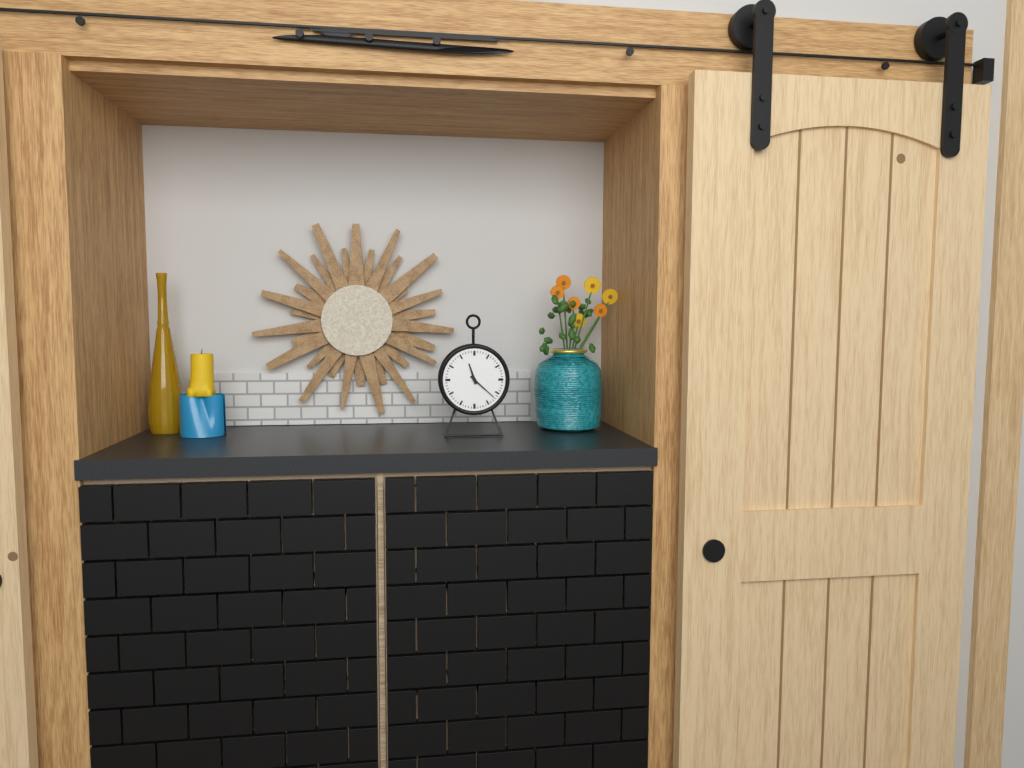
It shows h=11 m=22
